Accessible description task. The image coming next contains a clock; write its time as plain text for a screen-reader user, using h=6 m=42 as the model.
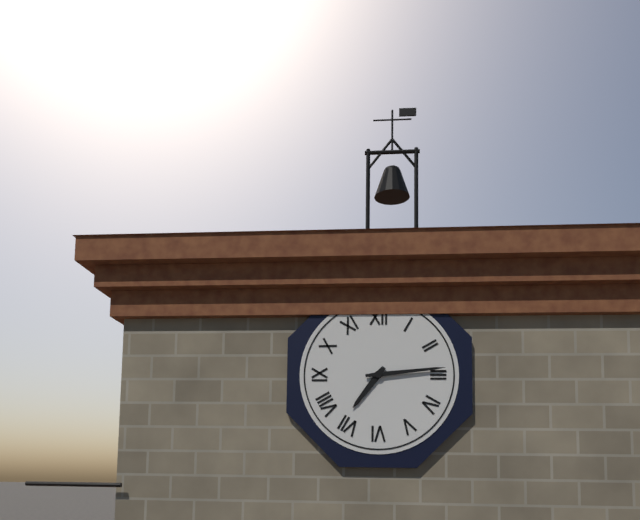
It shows h=7 m=14
